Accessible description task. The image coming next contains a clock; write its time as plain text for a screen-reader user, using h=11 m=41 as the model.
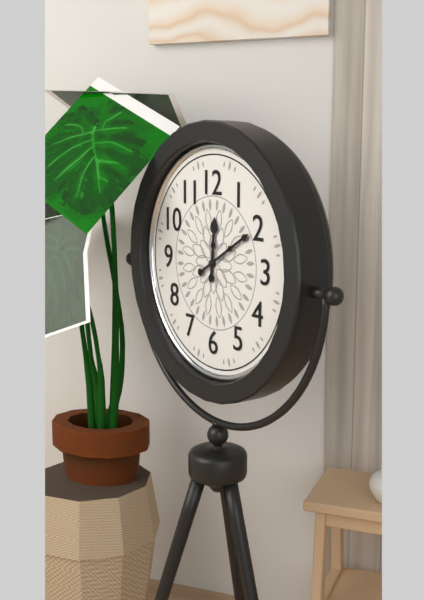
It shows h=12 m=10
